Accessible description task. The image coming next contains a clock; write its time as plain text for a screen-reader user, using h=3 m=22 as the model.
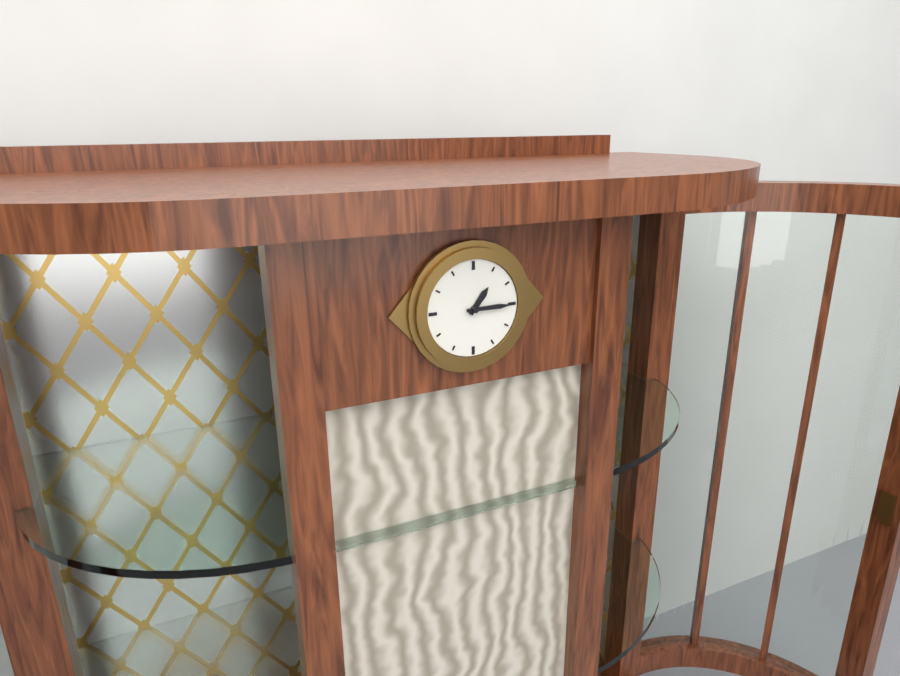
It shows h=1 m=15
